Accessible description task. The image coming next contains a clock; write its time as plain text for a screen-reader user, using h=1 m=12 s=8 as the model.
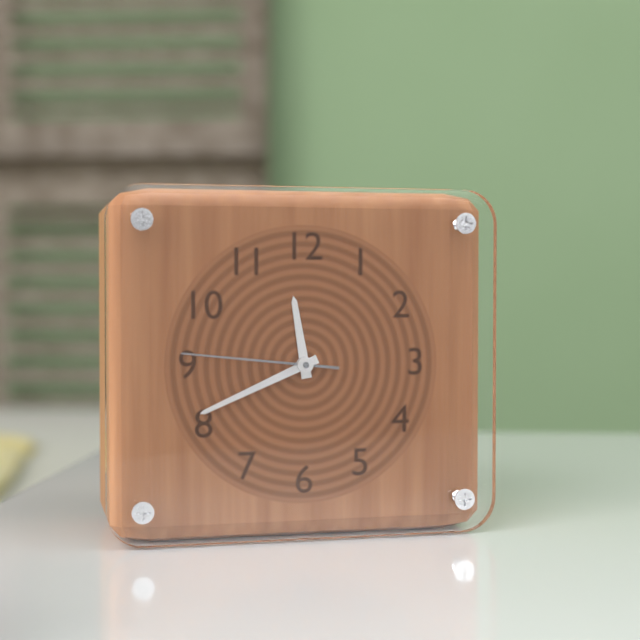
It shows h=11 m=41 s=46
